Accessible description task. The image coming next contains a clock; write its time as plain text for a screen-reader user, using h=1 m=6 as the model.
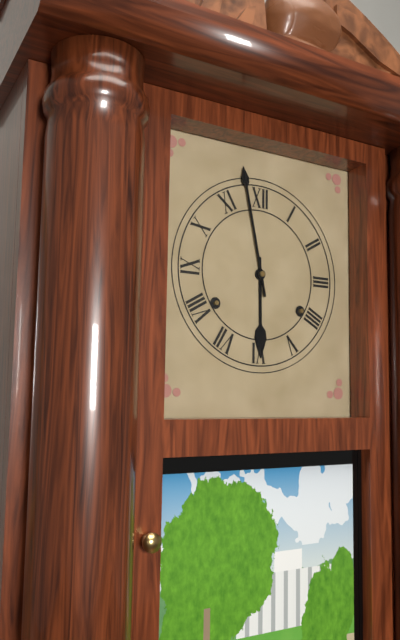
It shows h=5 m=58
